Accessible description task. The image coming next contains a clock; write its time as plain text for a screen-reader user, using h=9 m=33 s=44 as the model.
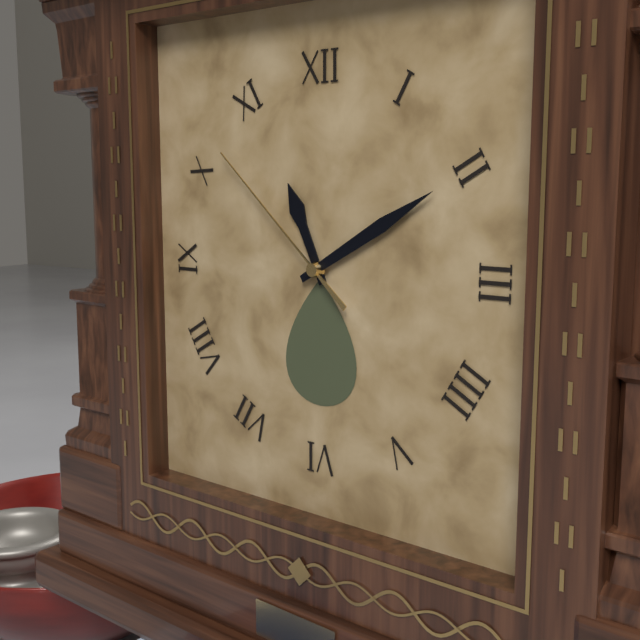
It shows h=11 m=10 s=52
